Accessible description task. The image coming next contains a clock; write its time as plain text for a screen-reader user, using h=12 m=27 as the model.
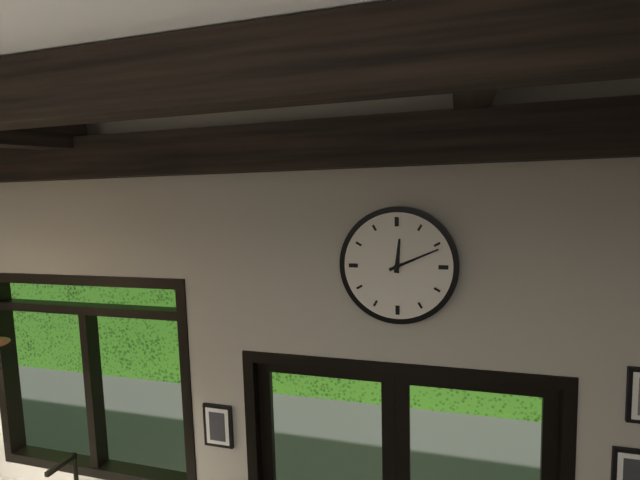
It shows h=12 m=11
